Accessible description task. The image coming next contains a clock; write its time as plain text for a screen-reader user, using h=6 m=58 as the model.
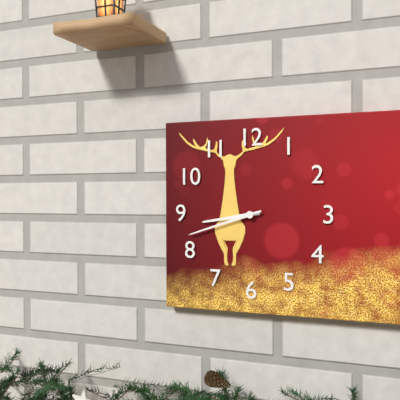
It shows h=8 m=42
